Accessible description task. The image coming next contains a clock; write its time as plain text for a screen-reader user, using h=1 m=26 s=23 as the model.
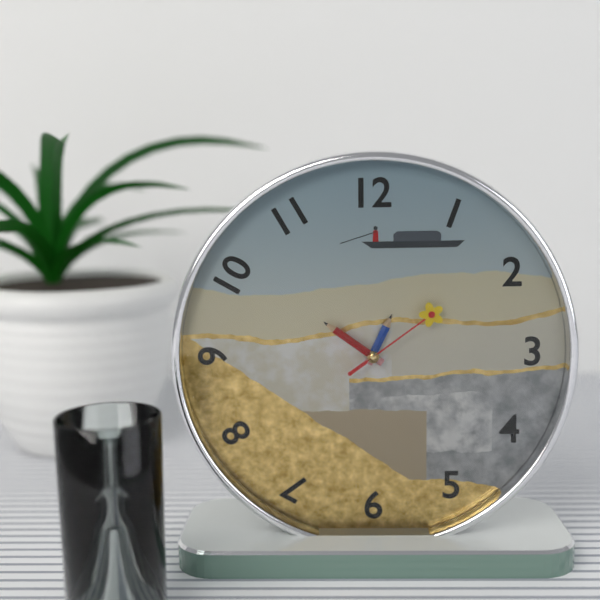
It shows h=12 m=51 s=9
